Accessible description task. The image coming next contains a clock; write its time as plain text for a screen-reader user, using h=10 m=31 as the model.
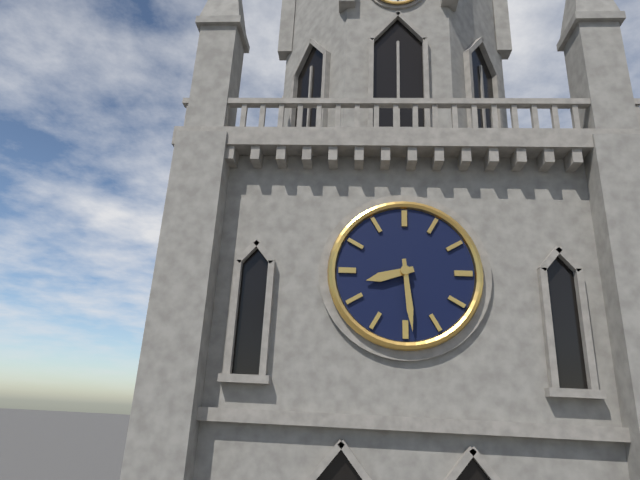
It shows h=8 m=29
